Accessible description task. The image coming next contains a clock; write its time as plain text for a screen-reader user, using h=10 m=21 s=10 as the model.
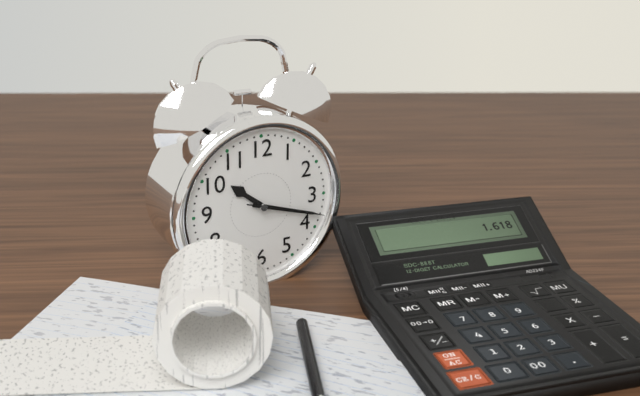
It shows h=10 m=18 s=18
